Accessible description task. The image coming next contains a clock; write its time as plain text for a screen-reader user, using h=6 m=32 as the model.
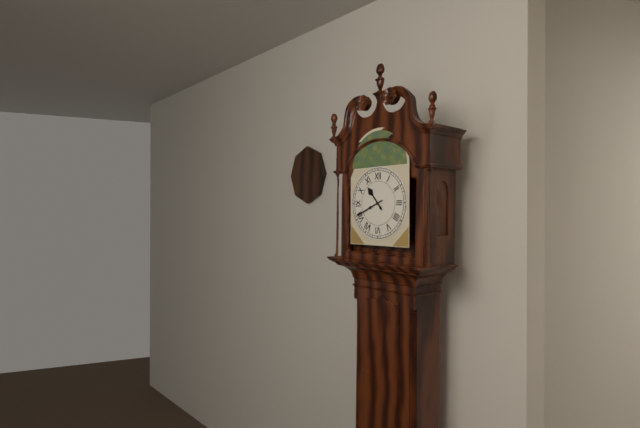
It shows h=10 m=41
